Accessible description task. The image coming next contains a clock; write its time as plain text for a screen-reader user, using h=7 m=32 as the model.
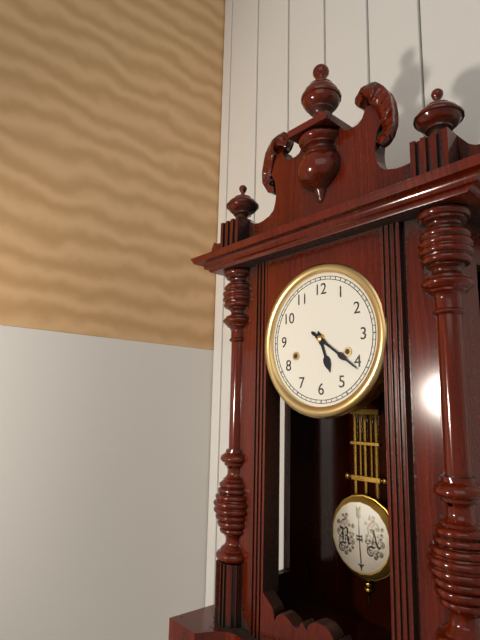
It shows h=5 m=21
